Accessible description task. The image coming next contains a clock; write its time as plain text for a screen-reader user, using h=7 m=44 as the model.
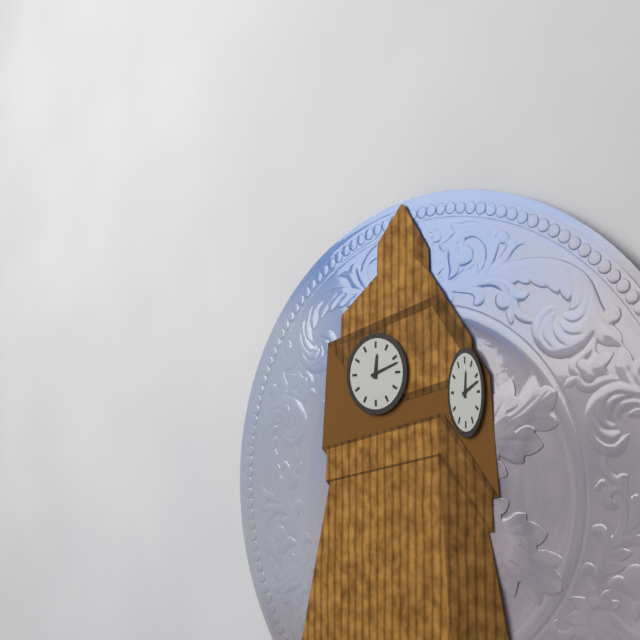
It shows h=12 m=12
